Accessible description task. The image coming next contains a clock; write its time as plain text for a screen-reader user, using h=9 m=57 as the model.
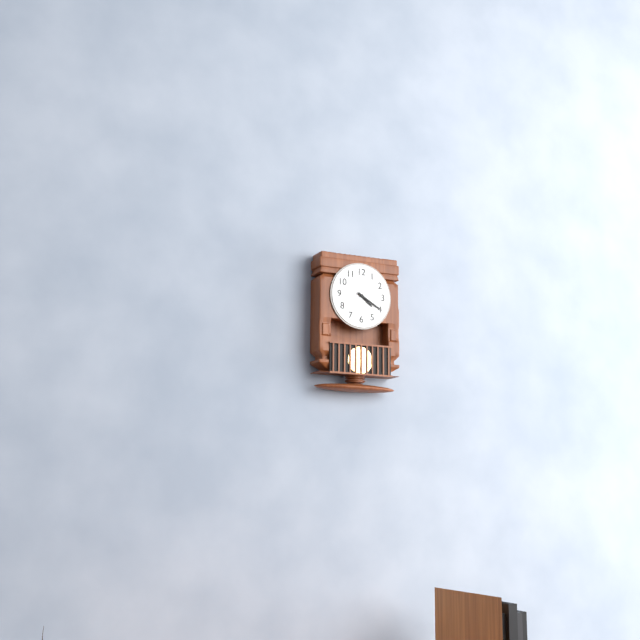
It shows h=4 m=20
